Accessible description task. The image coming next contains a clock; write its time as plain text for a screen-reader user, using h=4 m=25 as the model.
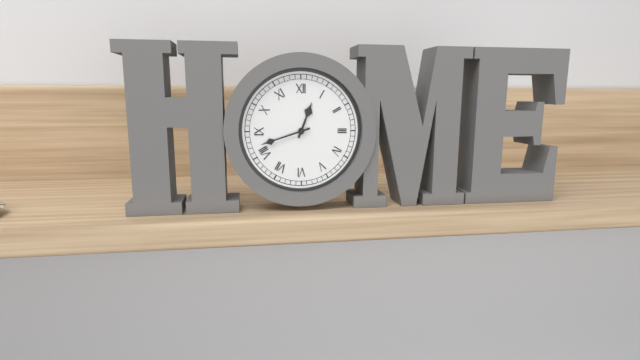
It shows h=12 m=42
